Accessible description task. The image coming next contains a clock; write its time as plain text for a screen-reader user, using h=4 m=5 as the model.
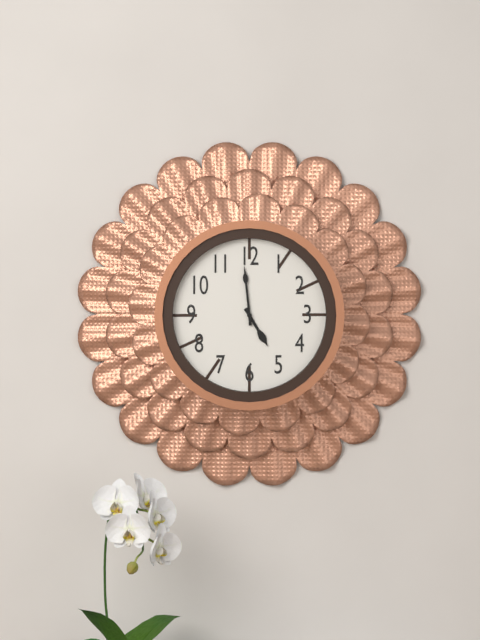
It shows h=4 m=59
